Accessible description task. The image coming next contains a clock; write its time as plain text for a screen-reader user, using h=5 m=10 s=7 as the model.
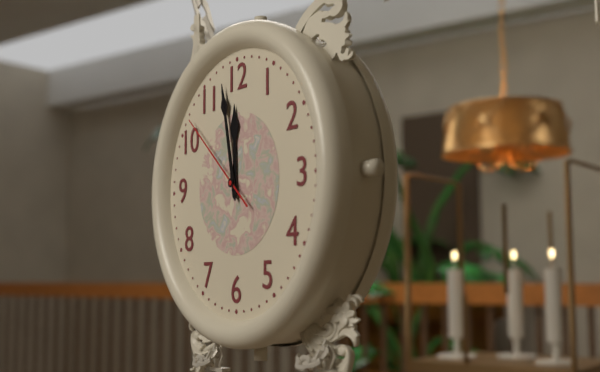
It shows h=11 m=58 s=52
